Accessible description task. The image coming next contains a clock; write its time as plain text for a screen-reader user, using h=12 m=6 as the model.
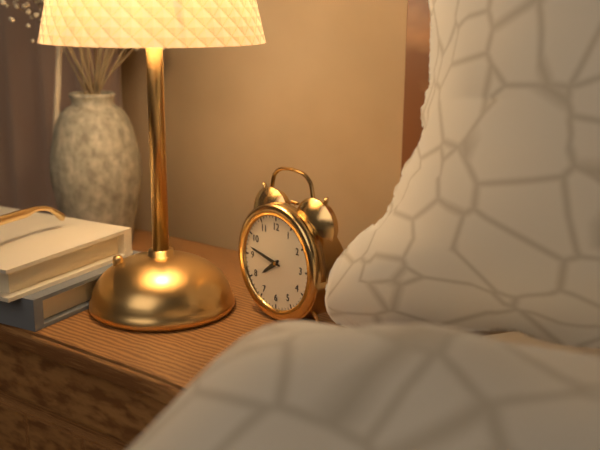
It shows h=7 m=47
